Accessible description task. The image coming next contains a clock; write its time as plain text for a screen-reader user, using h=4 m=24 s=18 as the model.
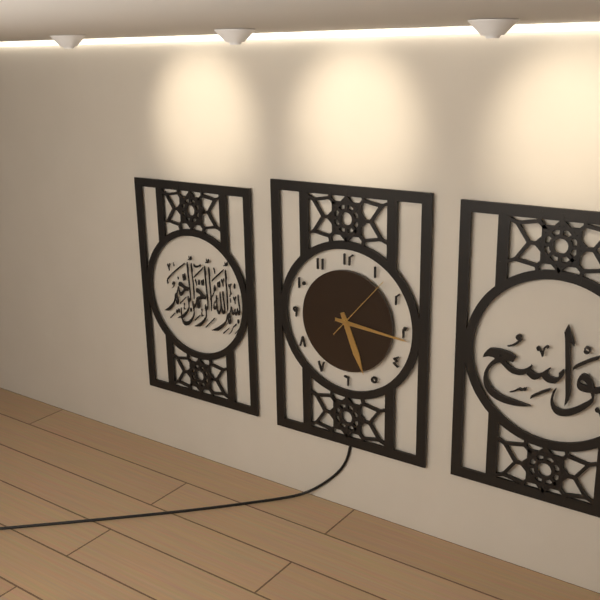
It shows h=5 m=16 s=7
